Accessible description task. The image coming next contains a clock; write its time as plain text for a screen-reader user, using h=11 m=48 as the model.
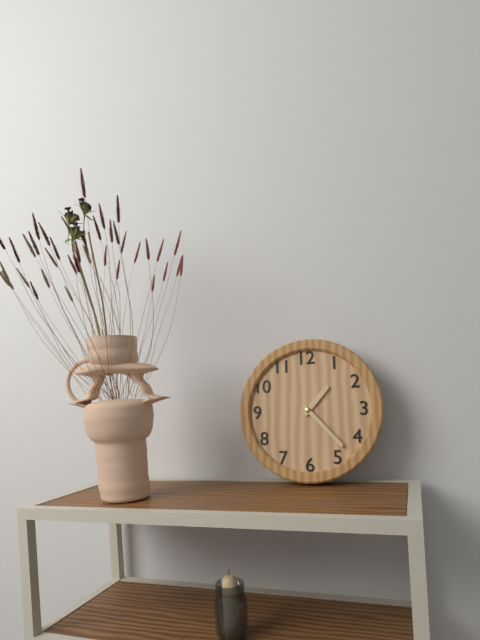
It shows h=1 m=23
